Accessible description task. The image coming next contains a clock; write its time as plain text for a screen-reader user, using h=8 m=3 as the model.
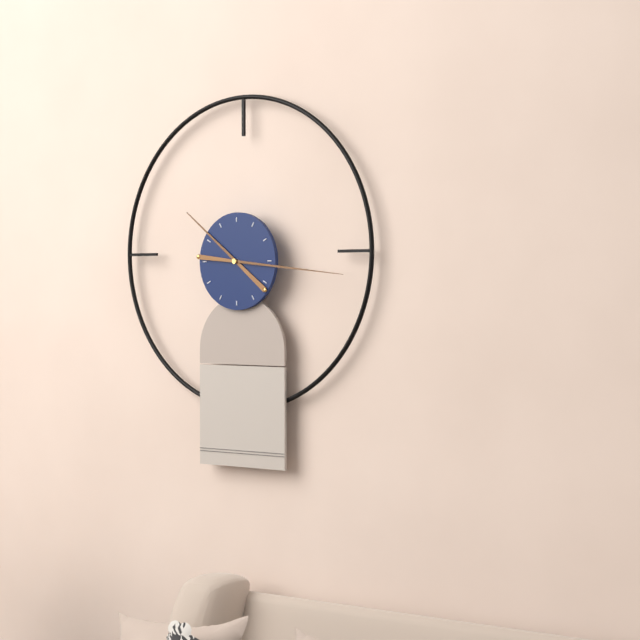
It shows h=10 m=16
